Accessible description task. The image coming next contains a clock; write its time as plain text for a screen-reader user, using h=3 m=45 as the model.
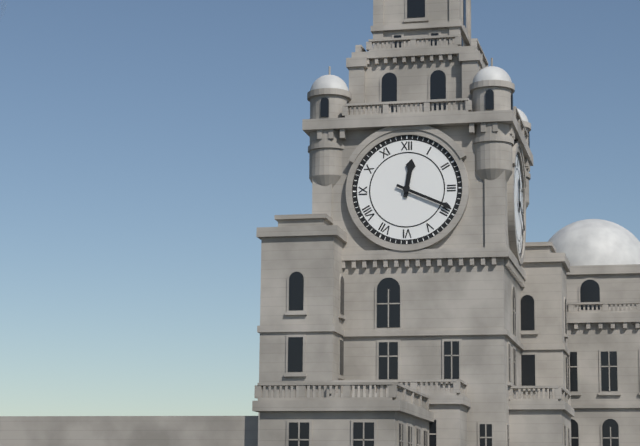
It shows h=12 m=19
